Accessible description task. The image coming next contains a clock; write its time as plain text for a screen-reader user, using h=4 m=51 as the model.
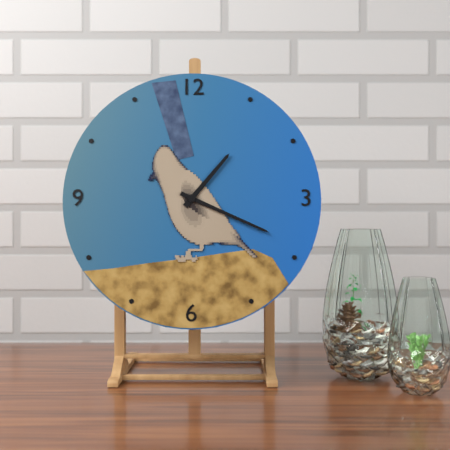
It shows h=1 m=19
